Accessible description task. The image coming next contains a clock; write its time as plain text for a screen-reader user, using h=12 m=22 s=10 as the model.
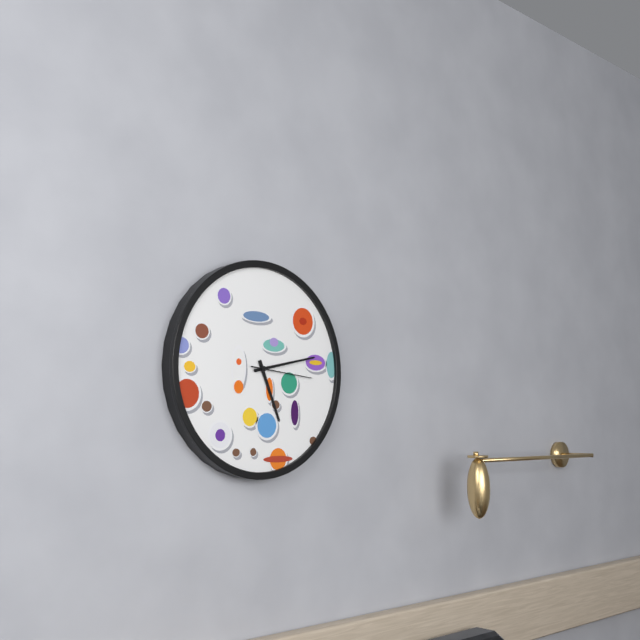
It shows h=5 m=13 s=16
